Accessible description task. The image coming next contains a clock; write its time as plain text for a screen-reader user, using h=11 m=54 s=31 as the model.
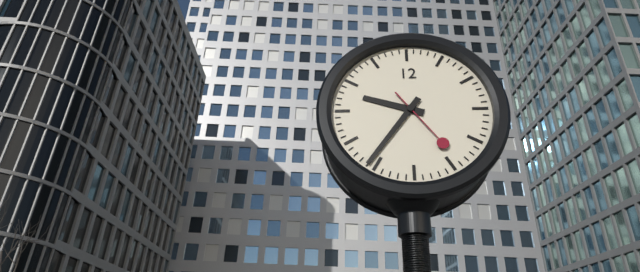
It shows h=9 m=36 s=24
